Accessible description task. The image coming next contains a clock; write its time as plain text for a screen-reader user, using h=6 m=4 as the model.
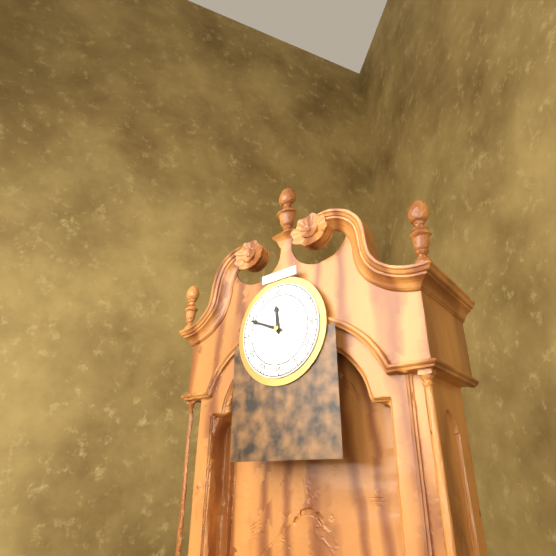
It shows h=11 m=49
